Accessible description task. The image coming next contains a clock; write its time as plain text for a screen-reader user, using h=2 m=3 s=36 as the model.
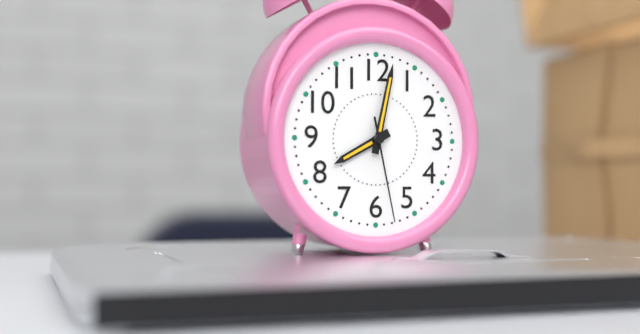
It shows h=8 m=2 s=28
